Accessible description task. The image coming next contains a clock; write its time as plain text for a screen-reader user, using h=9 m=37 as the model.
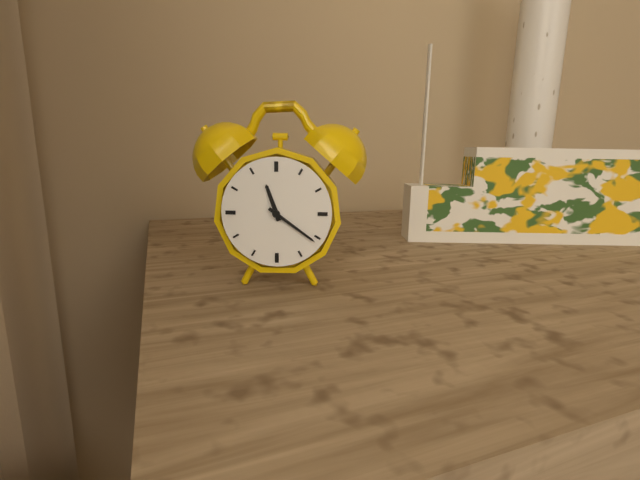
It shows h=11 m=21
